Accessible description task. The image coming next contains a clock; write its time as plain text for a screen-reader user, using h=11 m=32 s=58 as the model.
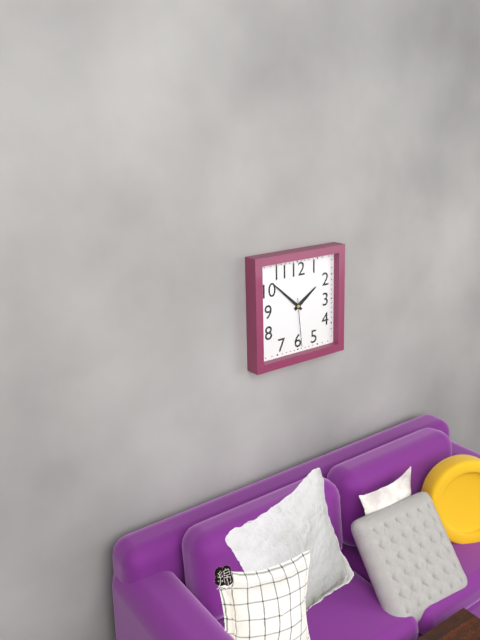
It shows h=1 m=52 s=29
